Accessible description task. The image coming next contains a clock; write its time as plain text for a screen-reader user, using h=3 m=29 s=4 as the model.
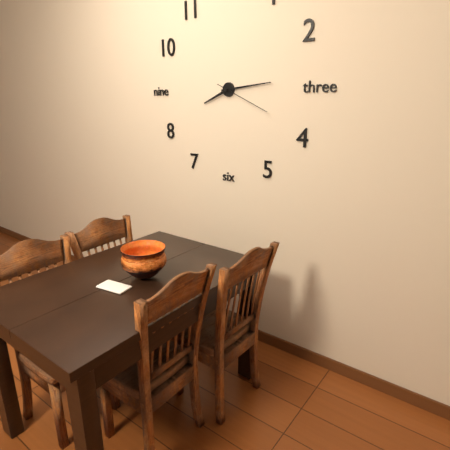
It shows h=8 m=14 s=19
